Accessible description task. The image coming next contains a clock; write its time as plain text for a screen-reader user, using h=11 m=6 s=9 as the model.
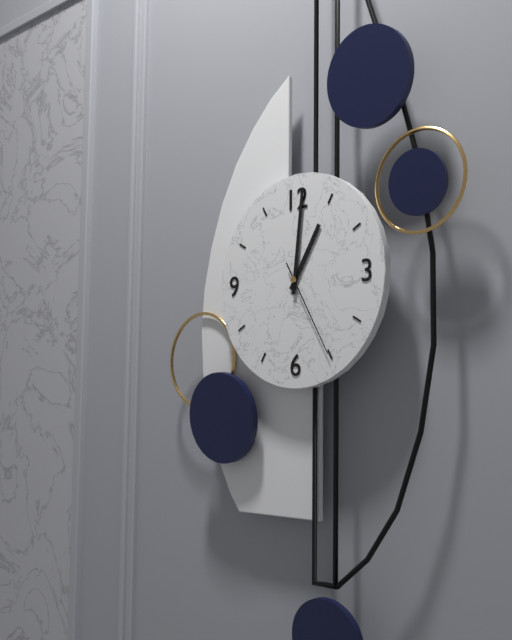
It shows h=1 m=1 s=25
